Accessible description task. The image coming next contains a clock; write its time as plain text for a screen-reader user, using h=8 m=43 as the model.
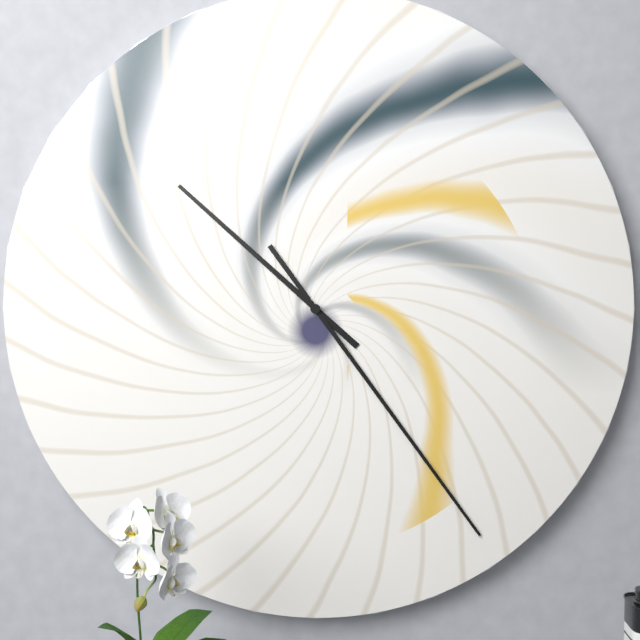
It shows h=10 m=24
